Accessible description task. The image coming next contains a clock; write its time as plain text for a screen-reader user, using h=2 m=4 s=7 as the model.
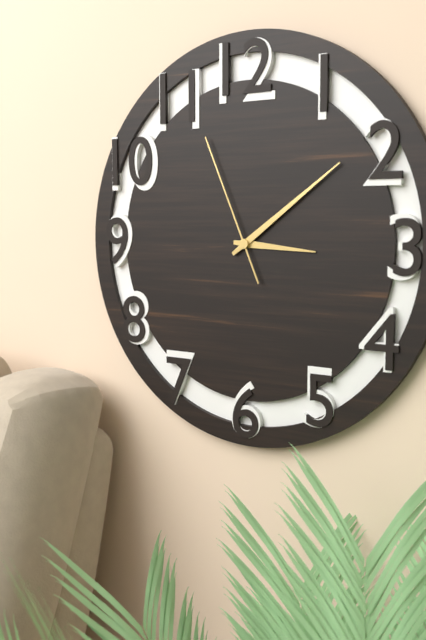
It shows h=3 m=9 s=56
